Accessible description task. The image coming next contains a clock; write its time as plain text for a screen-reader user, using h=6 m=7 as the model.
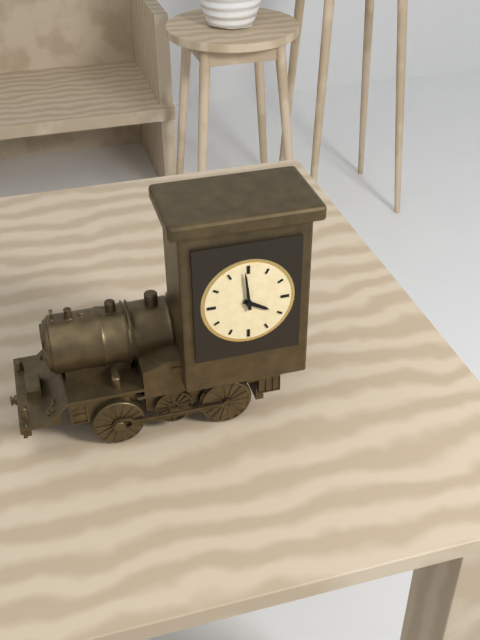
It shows h=3 m=59
